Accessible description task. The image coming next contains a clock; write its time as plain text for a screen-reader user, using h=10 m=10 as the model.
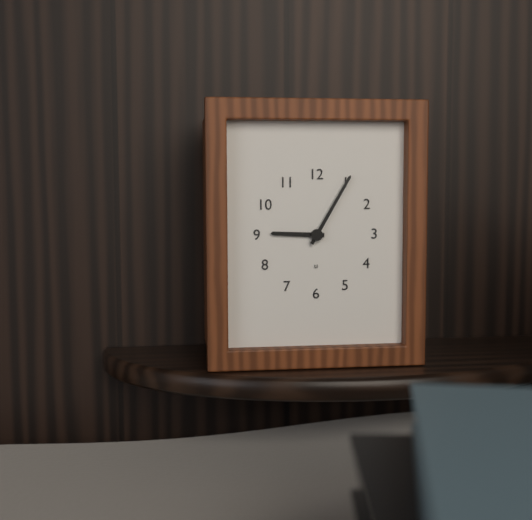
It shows h=9 m=5
